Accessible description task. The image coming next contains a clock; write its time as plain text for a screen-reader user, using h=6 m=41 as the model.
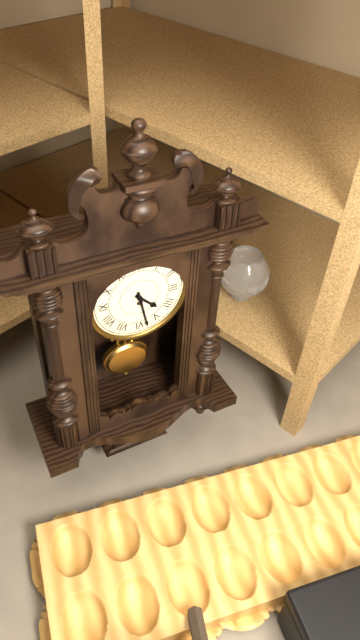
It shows h=4 m=28
